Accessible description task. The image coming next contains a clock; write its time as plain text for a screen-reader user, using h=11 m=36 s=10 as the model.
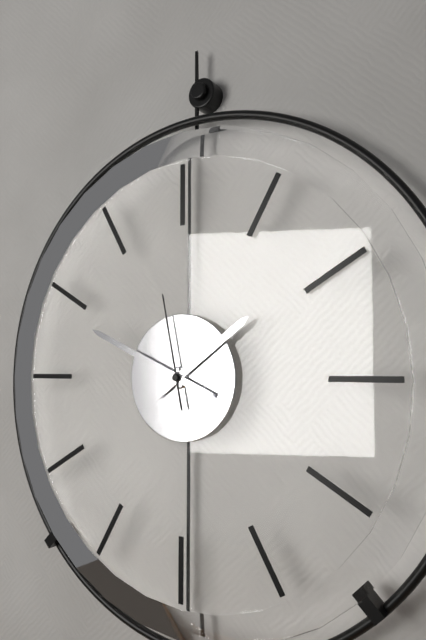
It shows h=1 m=49 s=58
